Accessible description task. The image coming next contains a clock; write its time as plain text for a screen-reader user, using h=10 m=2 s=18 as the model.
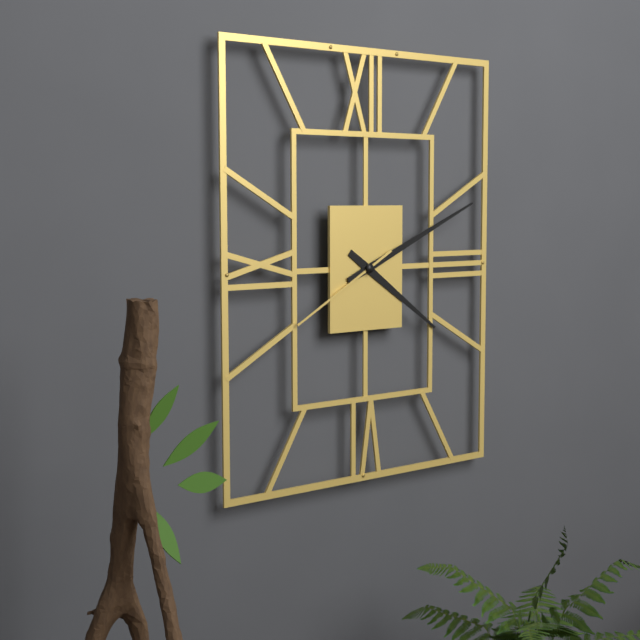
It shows h=4 m=11 s=40
